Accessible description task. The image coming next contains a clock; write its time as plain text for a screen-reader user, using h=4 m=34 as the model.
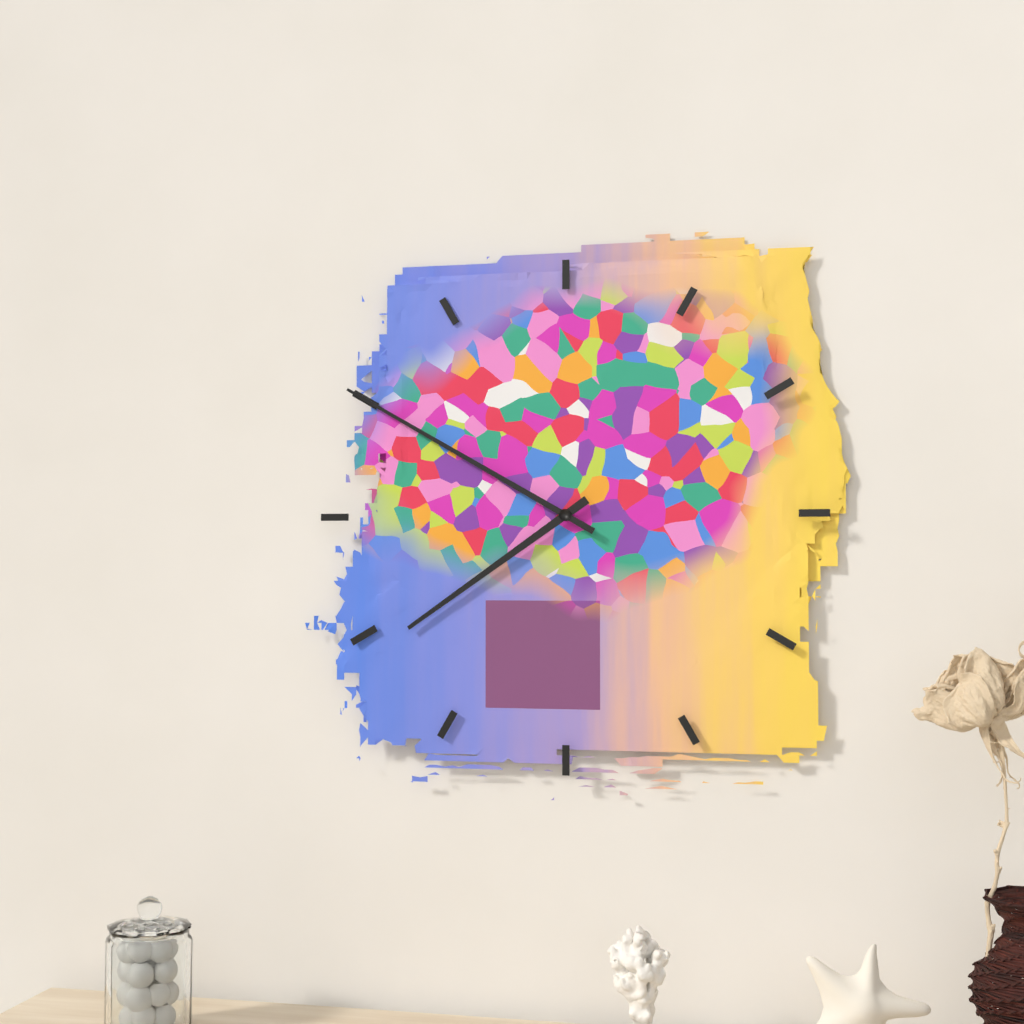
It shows h=7 m=50
